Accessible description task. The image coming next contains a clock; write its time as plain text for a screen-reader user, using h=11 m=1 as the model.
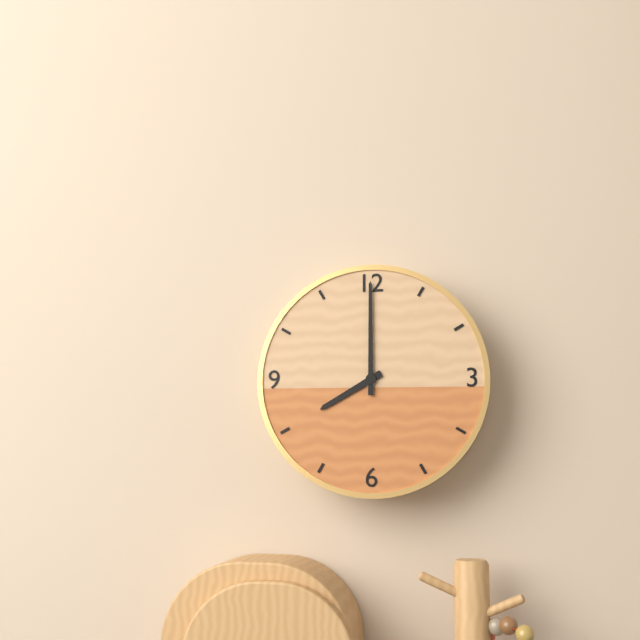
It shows h=8 m=0
